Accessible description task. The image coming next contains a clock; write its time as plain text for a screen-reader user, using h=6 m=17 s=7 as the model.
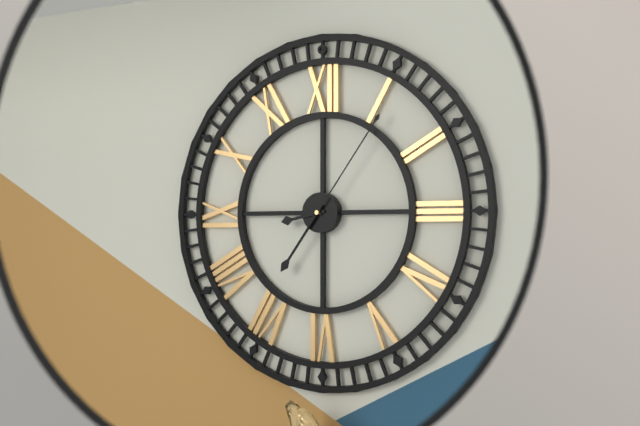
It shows h=8 m=36 s=6
